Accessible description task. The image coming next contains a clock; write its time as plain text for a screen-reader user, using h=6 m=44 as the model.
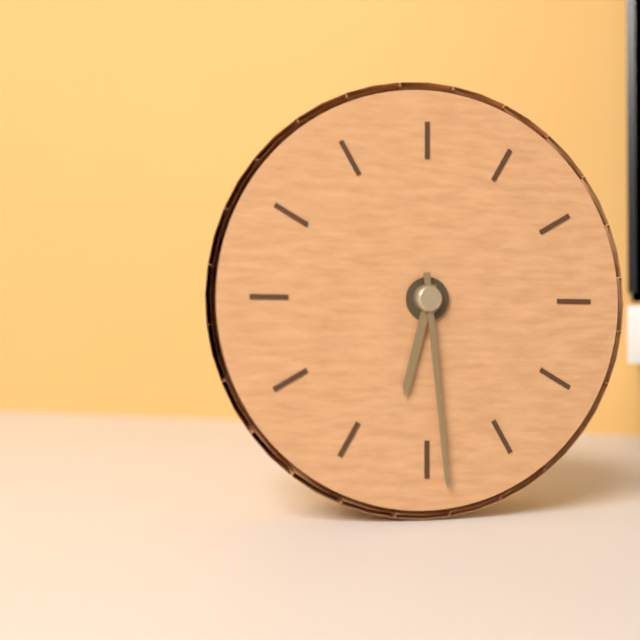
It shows h=6 m=29
